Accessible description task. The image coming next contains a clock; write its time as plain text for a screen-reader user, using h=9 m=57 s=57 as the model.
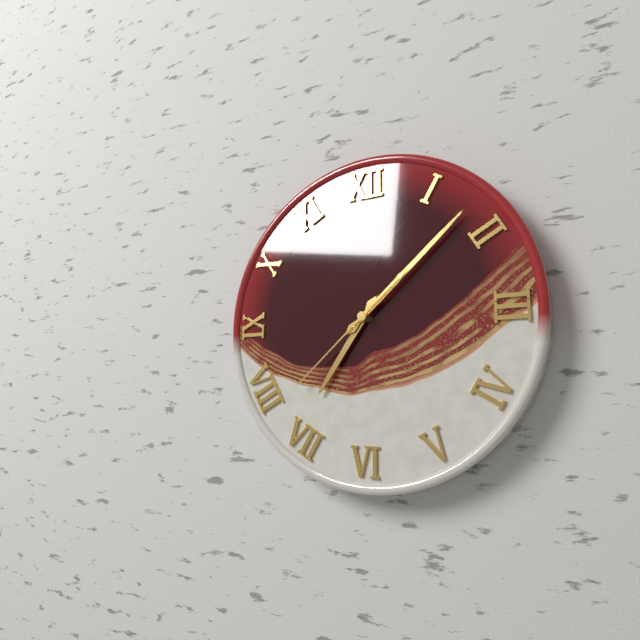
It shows h=7 m=8 s=38
